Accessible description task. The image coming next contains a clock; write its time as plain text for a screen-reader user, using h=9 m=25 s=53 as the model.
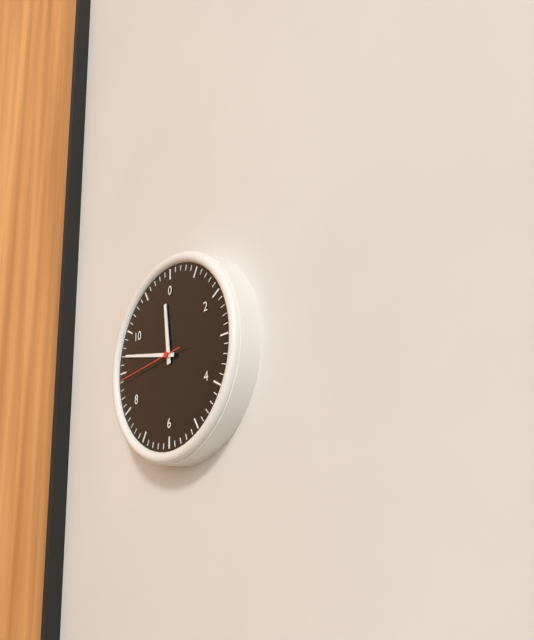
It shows h=11 m=47 s=44
